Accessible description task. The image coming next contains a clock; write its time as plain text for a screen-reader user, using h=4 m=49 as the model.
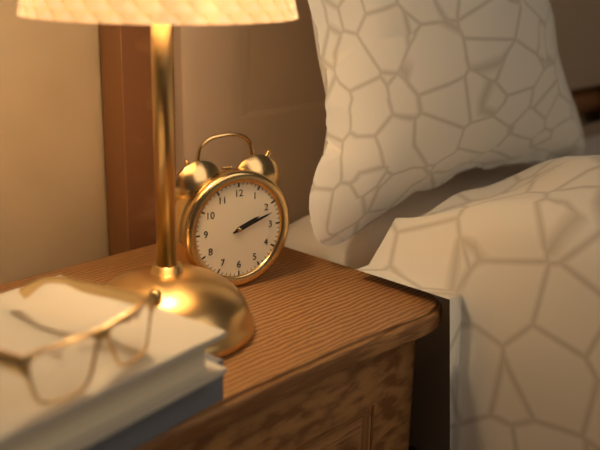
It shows h=2 m=12
